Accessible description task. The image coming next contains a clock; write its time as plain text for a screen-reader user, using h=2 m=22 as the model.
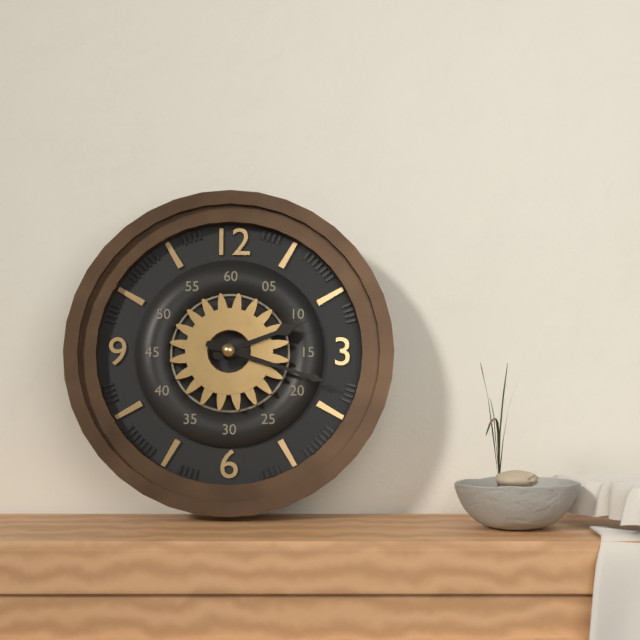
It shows h=2 m=18
